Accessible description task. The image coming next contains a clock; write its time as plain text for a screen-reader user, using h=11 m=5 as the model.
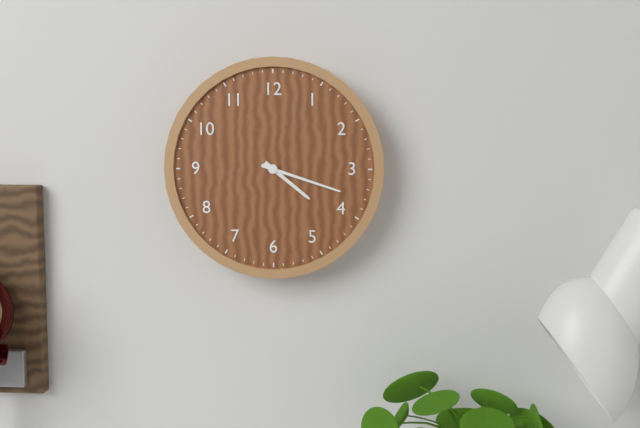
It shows h=4 m=18
